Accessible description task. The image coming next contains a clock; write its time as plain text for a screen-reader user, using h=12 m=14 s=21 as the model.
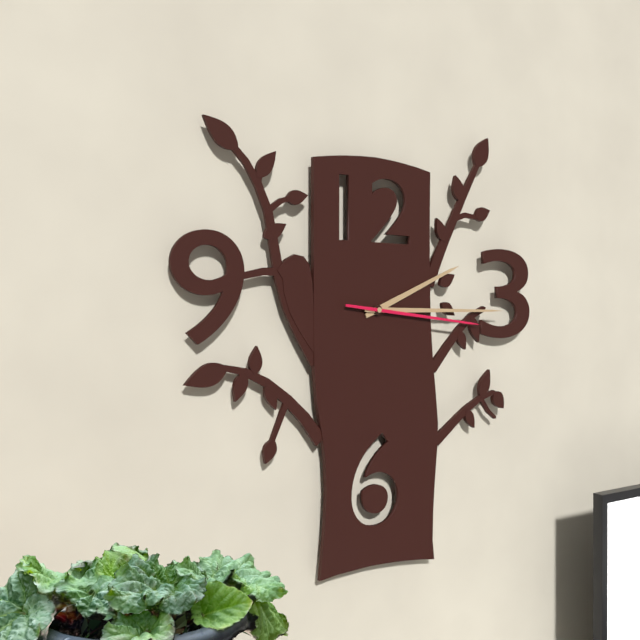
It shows h=2 m=15 s=16
